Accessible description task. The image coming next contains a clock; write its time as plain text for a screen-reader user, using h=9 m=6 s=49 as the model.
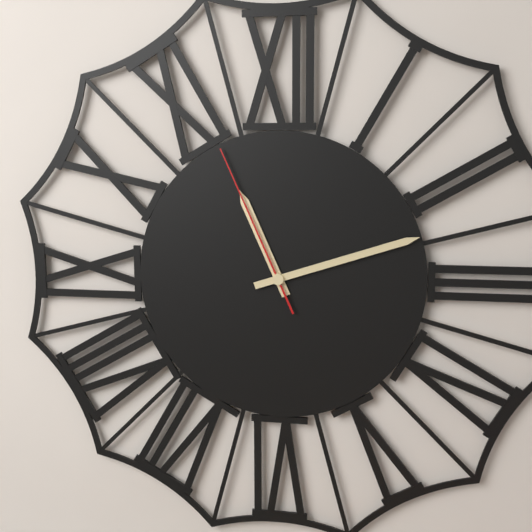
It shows h=11 m=12 s=56
